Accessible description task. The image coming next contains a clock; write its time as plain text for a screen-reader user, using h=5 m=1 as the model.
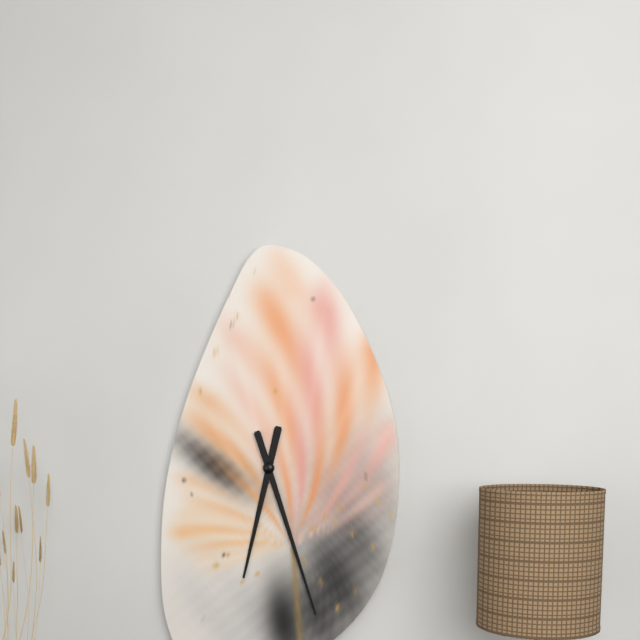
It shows h=6 m=27
